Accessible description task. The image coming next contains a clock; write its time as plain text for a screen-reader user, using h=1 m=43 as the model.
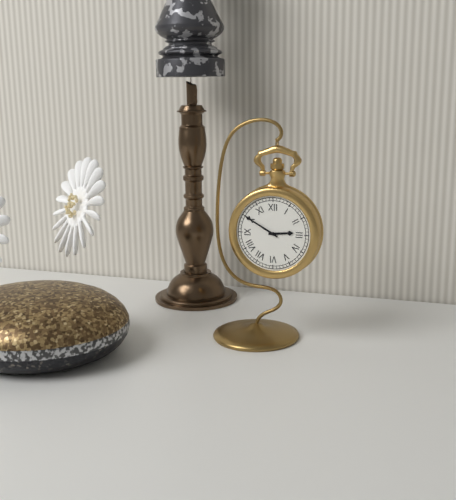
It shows h=2 m=50
